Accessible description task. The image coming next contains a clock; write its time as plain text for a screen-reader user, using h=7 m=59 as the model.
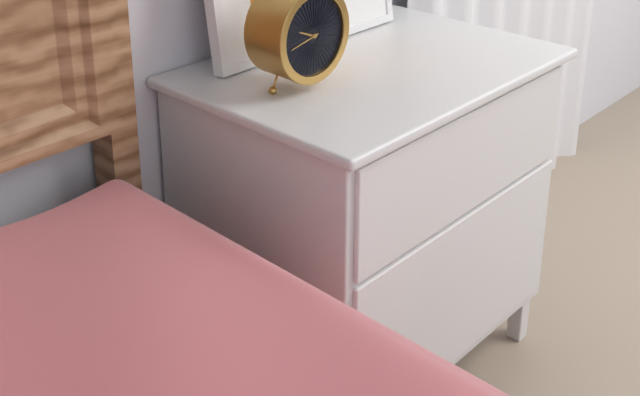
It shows h=9 m=43
